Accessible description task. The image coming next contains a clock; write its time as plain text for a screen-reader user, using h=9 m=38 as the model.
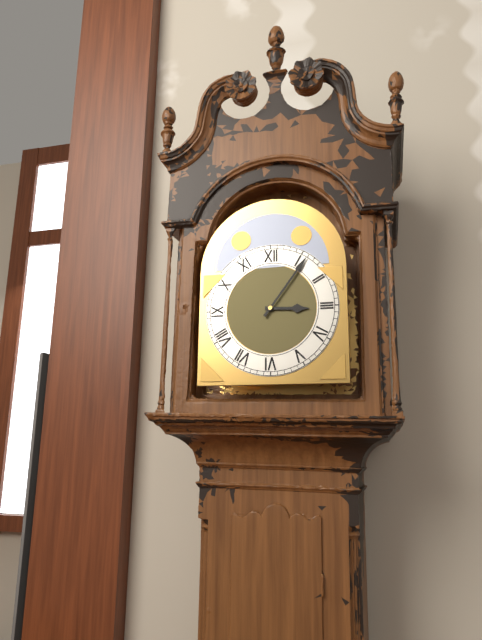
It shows h=3 m=6
